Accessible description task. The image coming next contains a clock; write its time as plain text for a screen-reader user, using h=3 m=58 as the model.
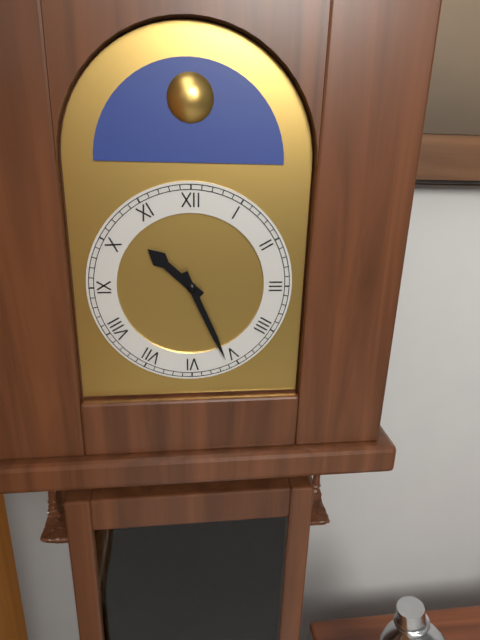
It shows h=10 m=26
